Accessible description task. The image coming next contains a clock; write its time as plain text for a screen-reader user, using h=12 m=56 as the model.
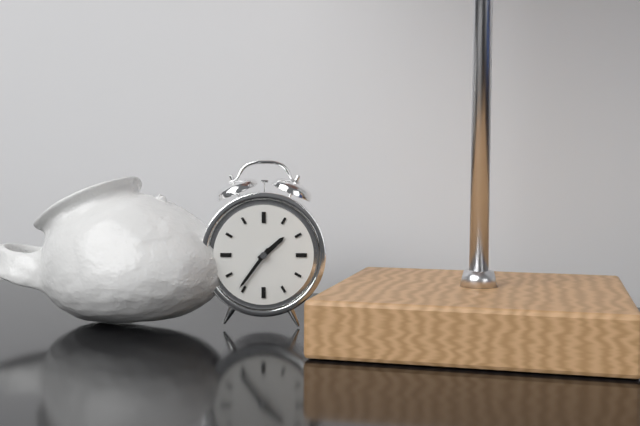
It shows h=1 m=36
